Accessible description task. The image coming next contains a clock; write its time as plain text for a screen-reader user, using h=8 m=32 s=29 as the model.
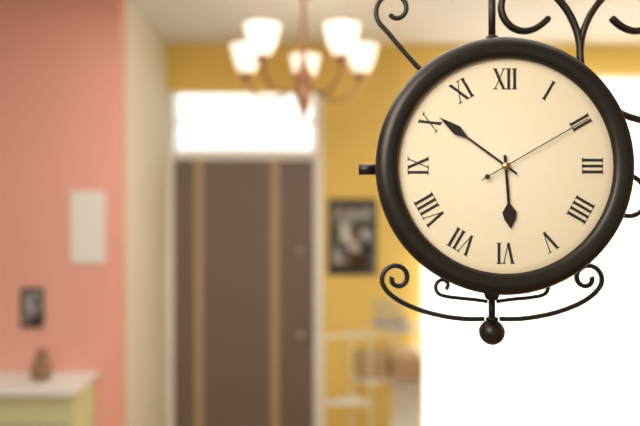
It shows h=5 m=51 s=10
